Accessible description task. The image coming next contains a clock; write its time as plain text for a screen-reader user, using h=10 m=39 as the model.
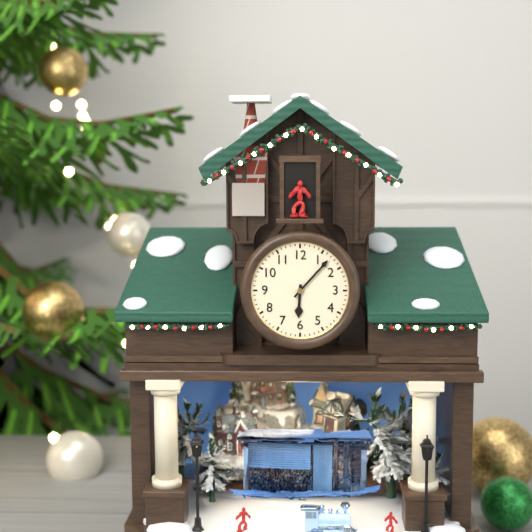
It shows h=6 m=7
